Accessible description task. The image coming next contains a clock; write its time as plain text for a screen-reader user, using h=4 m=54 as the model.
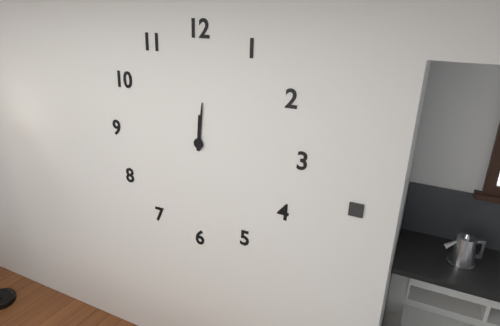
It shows h=12 m=1
